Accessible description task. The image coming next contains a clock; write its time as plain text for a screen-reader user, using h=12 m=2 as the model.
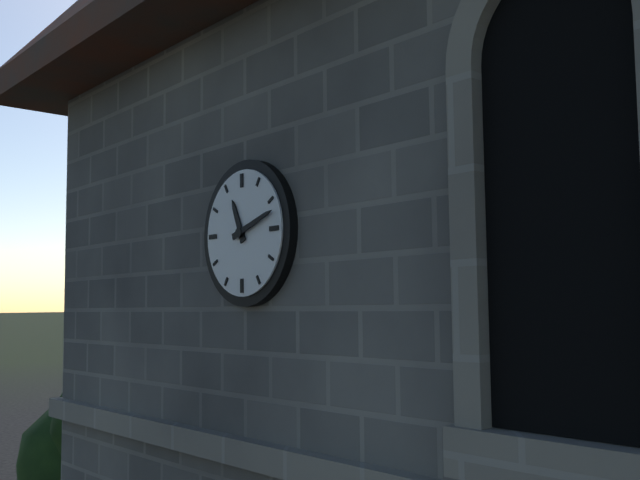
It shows h=11 m=12
